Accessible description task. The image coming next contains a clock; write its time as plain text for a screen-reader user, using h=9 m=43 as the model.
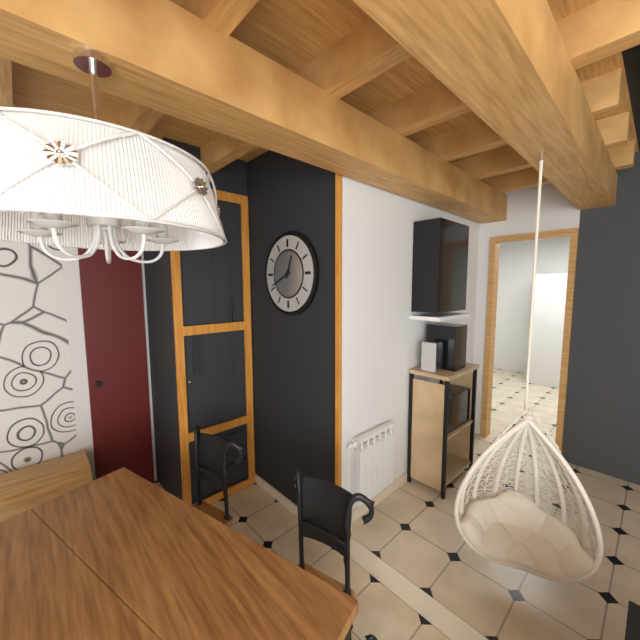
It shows h=12 m=41
